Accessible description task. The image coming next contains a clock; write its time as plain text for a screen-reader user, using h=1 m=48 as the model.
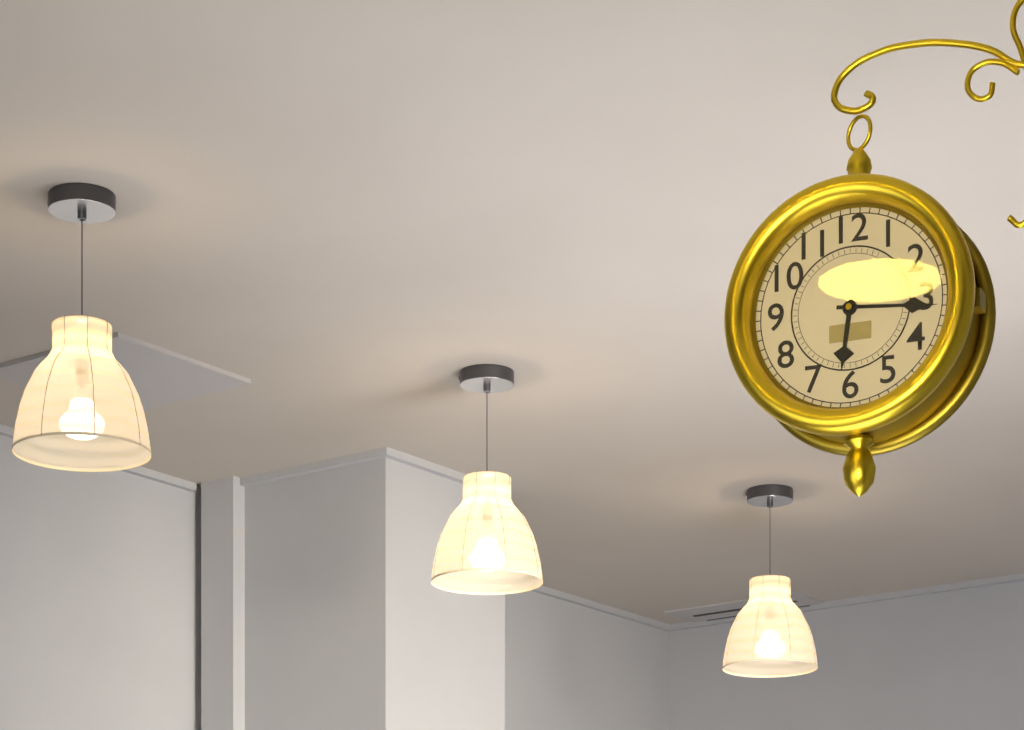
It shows h=6 m=16
